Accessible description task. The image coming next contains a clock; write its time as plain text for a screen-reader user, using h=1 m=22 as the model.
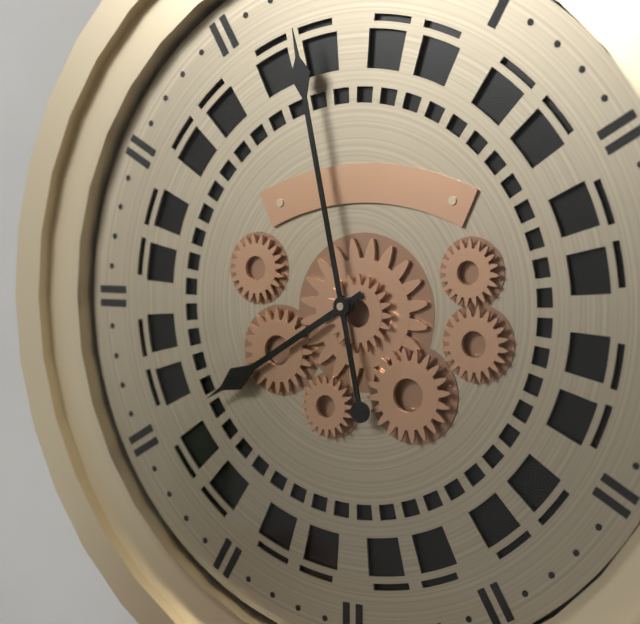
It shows h=7 m=58
